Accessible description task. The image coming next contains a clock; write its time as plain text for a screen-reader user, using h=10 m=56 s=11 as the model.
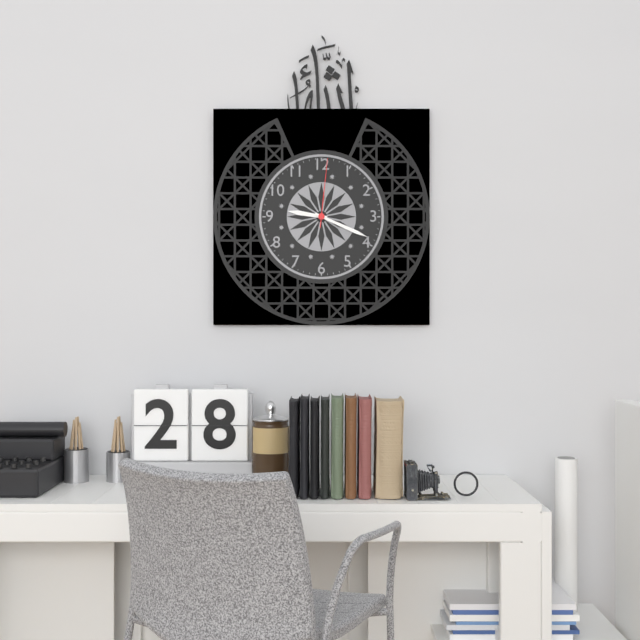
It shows h=9 m=19 s=1
